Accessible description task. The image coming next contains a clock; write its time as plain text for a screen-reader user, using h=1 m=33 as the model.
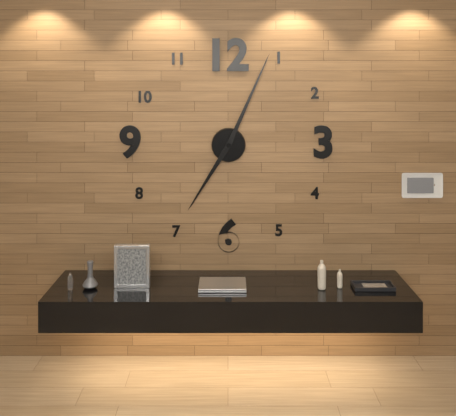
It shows h=7 m=4
